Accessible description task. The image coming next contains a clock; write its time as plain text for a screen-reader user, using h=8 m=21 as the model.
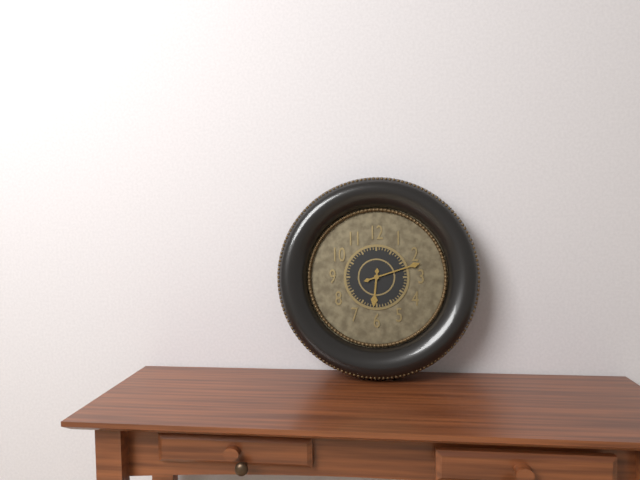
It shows h=6 m=12
